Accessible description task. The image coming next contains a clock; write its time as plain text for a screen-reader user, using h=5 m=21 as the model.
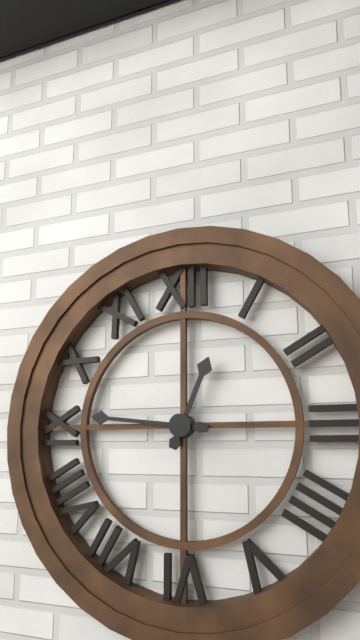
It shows h=12 m=46
